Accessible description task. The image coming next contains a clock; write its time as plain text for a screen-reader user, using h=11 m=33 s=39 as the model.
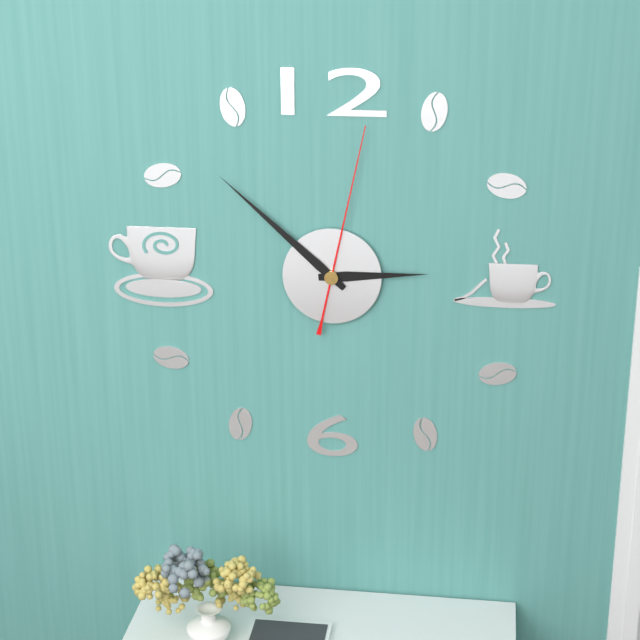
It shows h=2 m=52 s=2
